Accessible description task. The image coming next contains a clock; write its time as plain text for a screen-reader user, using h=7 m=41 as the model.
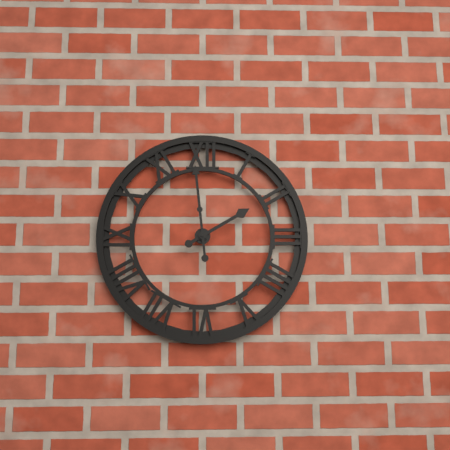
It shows h=1 m=59
